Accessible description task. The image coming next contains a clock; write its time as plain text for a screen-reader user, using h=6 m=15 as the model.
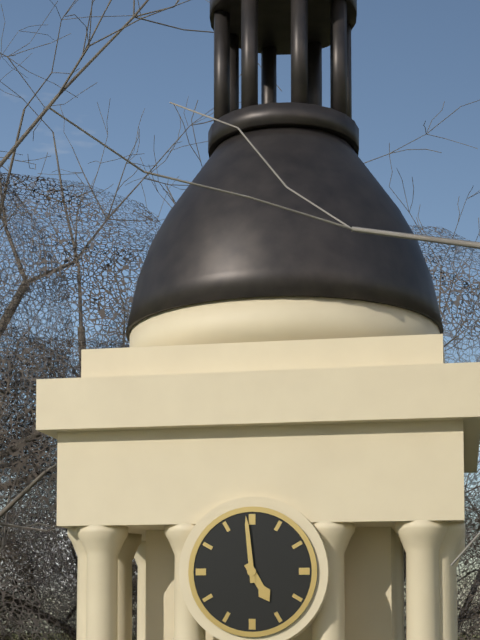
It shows h=4 m=59
